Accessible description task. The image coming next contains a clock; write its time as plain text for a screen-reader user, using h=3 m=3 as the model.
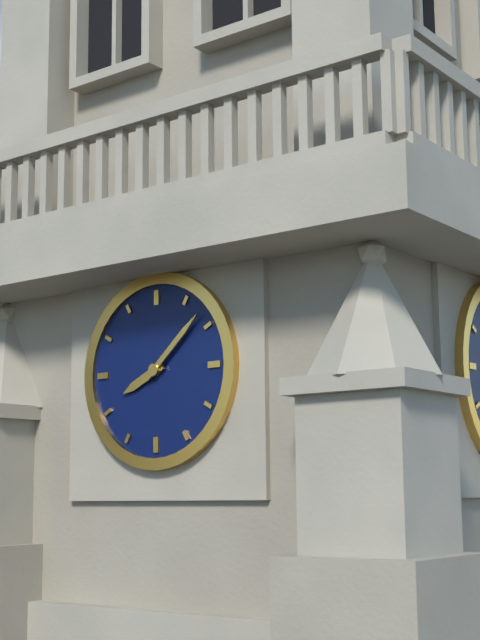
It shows h=8 m=8
